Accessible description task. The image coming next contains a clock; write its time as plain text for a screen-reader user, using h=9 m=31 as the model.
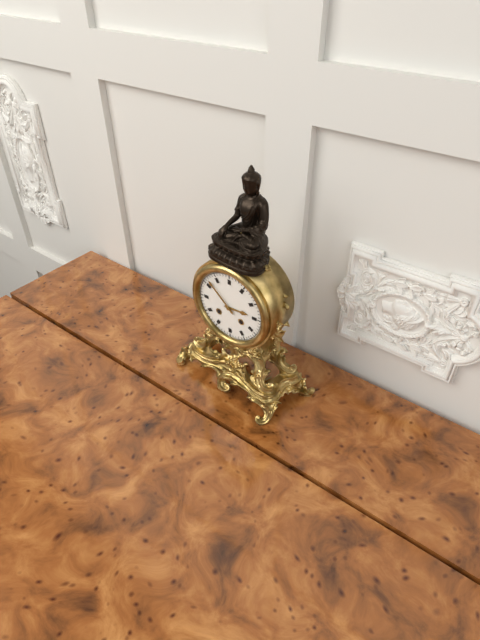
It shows h=2 m=52
